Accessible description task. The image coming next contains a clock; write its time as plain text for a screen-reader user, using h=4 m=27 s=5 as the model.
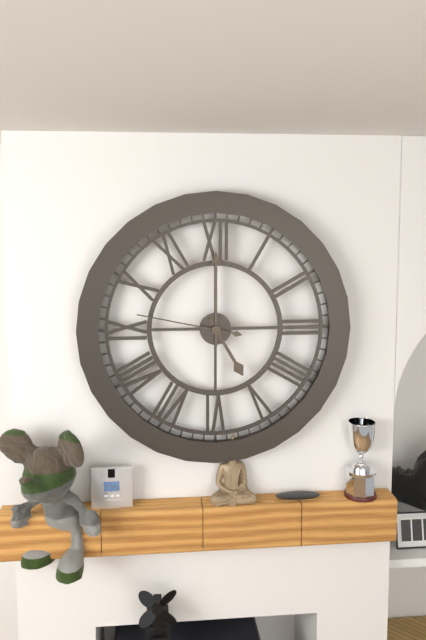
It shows h=5 m=0 s=47
